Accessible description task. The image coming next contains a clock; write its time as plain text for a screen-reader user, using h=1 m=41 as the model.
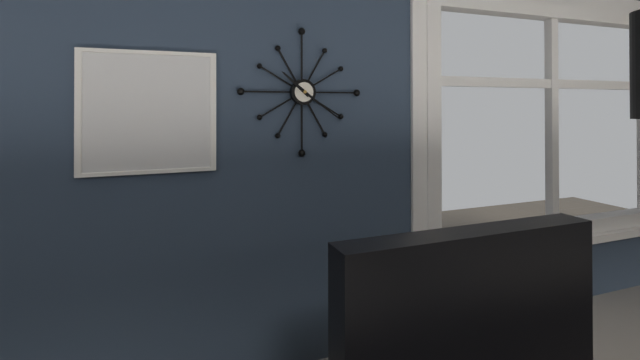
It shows h=10 m=21
